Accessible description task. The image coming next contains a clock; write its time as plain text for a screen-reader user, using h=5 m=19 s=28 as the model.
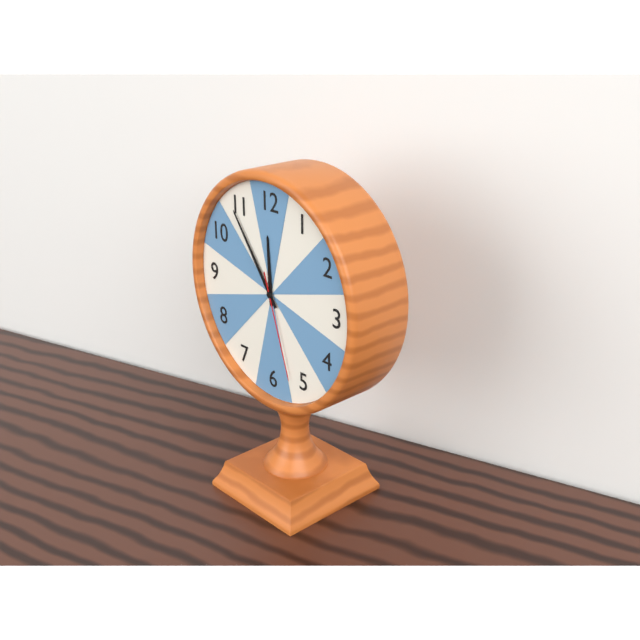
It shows h=11 m=54 s=27
